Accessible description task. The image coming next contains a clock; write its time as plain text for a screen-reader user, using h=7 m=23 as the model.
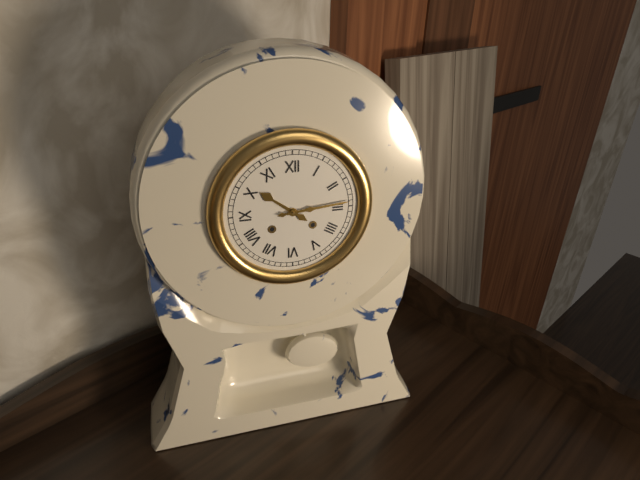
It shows h=10 m=14
